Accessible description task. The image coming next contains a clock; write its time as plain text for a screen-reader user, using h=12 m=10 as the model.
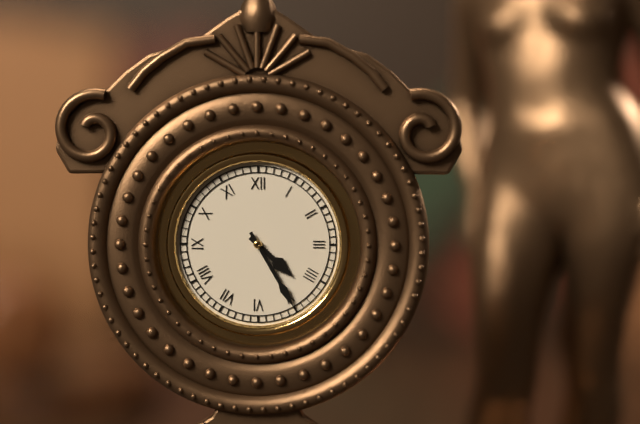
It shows h=4 m=25
